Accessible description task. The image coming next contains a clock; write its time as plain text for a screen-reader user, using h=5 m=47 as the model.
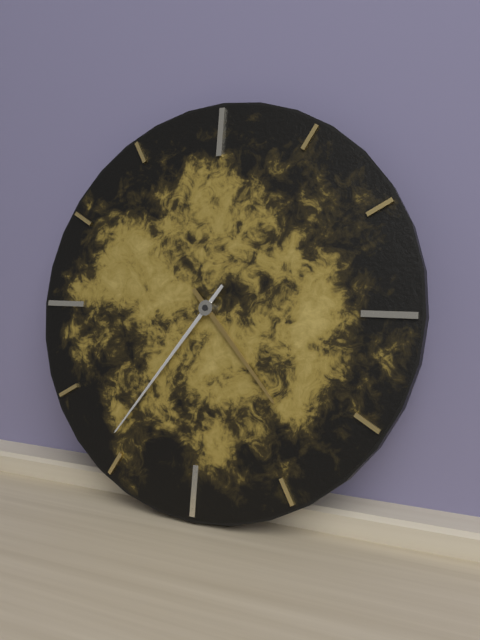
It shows h=4 m=36
